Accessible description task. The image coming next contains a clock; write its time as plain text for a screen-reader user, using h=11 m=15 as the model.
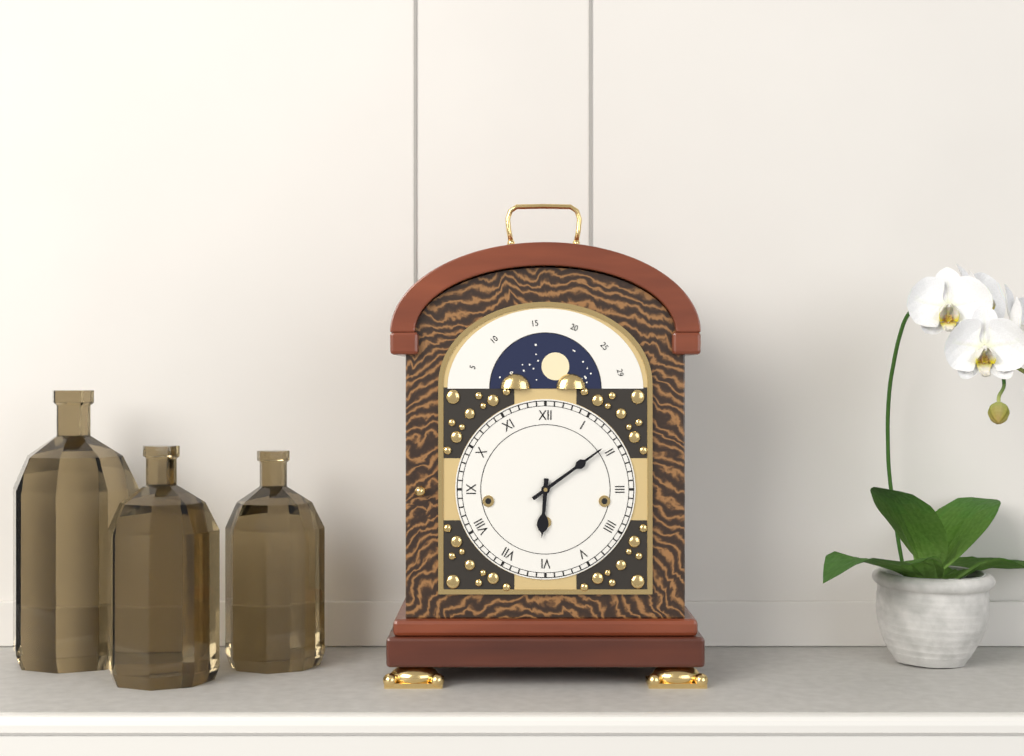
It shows h=6 m=9
